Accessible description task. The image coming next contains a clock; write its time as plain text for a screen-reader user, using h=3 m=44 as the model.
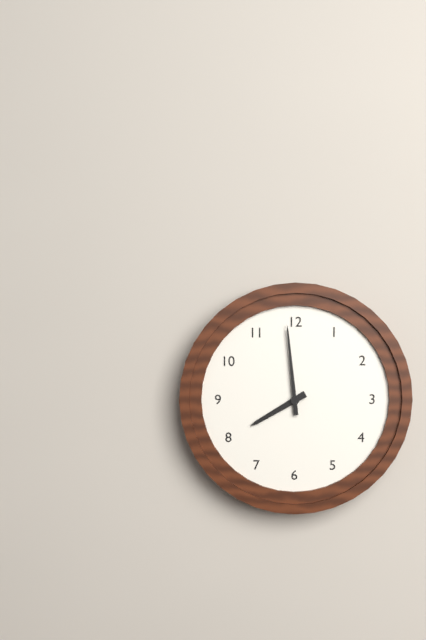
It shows h=7 m=59
